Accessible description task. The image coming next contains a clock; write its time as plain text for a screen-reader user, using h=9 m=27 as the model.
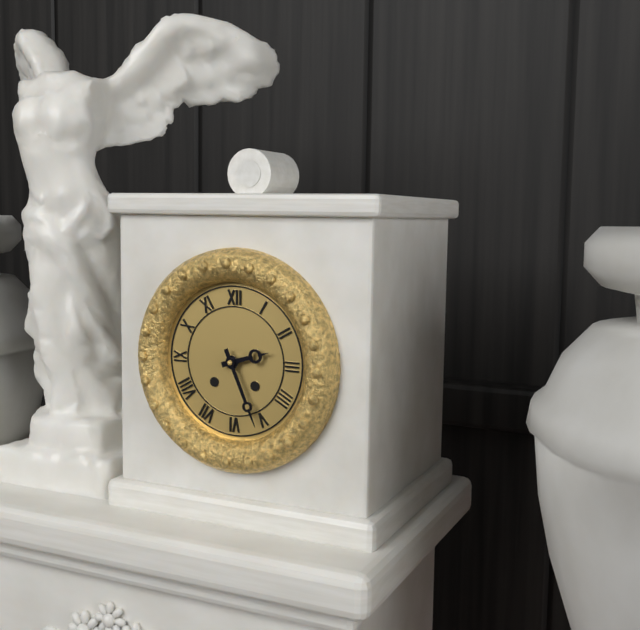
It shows h=2 m=26
